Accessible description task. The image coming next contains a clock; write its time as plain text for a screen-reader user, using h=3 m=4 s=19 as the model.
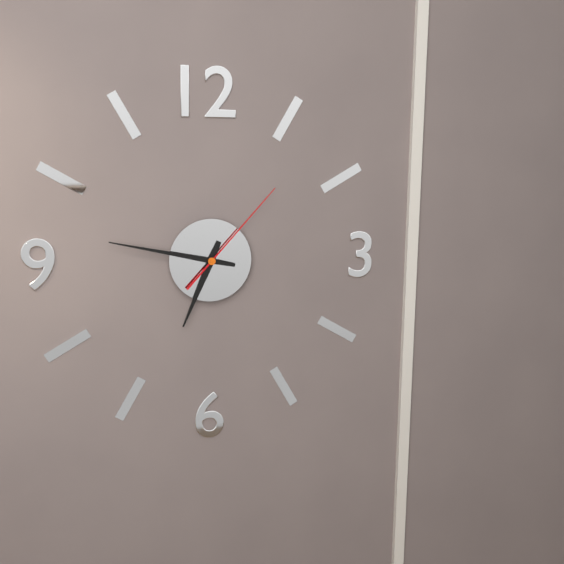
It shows h=6 m=47 s=7
